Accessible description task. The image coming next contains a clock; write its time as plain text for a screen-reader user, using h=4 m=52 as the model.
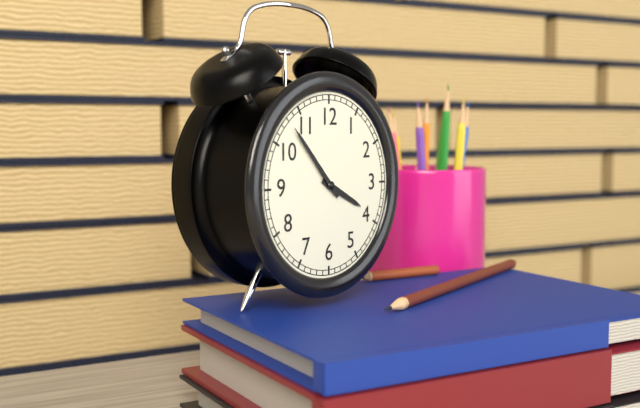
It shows h=3 m=53
